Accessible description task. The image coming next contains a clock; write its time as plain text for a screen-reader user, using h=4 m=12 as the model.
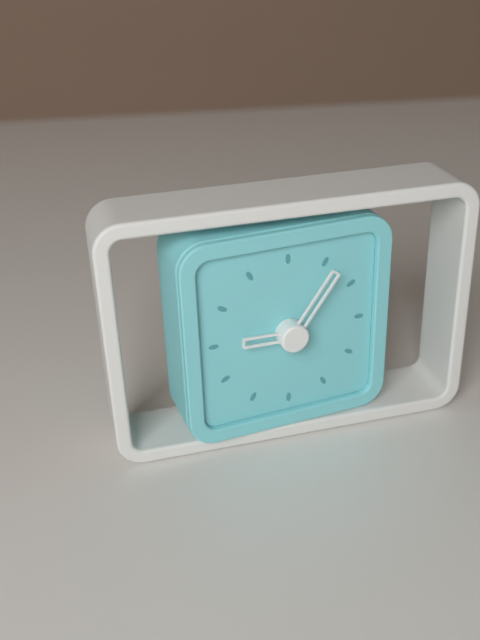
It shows h=9 m=6
